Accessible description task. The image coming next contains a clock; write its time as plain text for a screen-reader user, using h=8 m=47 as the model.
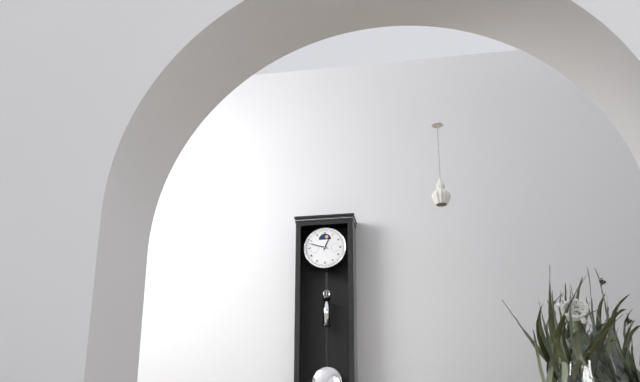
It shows h=12 m=48
